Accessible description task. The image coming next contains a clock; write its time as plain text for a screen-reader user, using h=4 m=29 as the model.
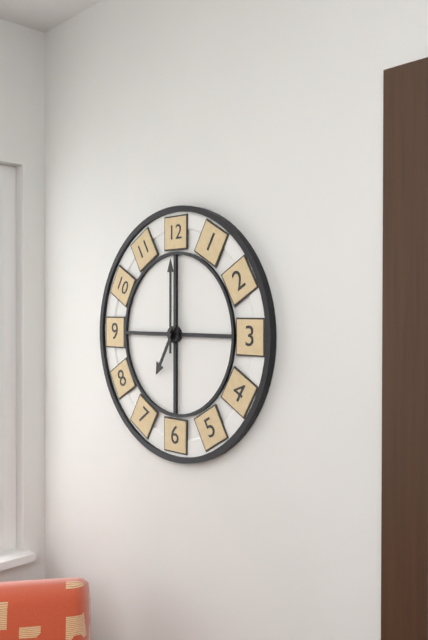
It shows h=7 m=0
